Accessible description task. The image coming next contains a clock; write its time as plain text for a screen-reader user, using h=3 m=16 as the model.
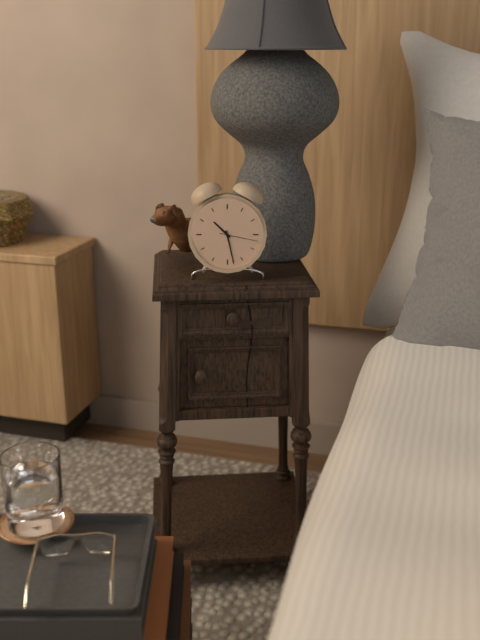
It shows h=10 m=28
